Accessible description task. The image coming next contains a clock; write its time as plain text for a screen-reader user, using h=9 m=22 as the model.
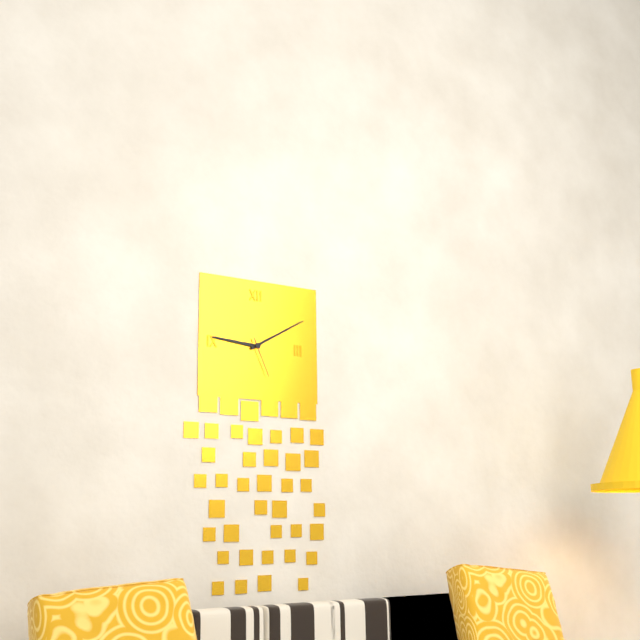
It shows h=9 m=10
